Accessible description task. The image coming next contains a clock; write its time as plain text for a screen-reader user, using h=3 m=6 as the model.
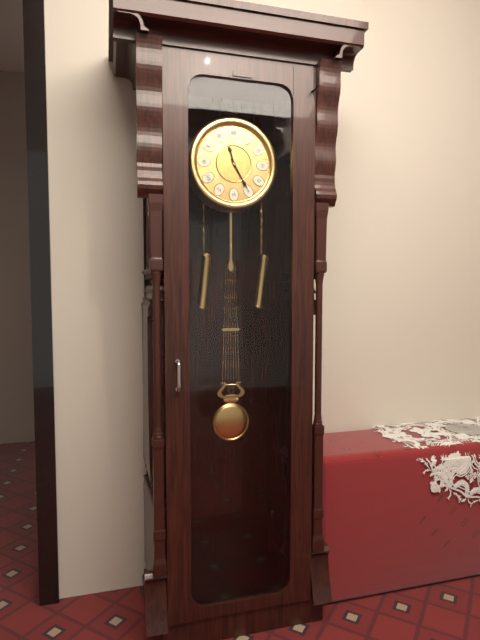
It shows h=11 m=25
